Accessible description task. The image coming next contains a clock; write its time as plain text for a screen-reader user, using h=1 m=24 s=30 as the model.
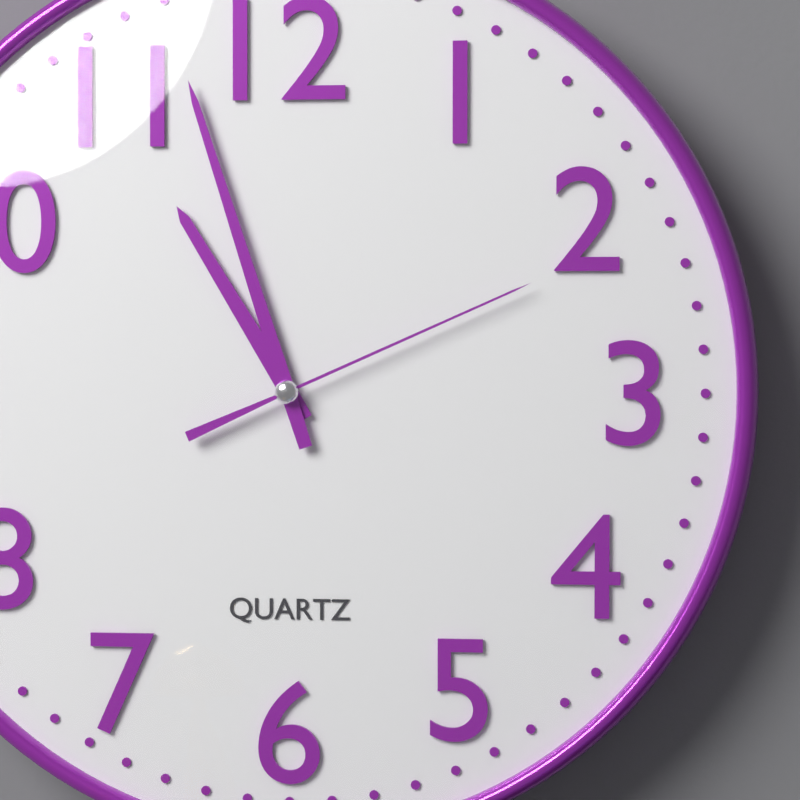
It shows h=10 m=57 s=11
